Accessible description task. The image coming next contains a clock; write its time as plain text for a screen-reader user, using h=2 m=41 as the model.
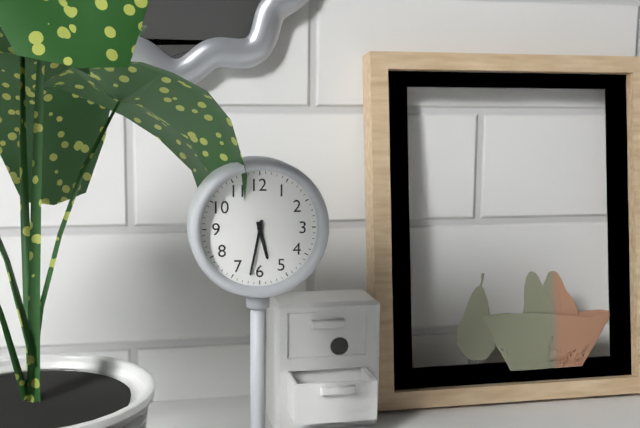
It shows h=5 m=32
